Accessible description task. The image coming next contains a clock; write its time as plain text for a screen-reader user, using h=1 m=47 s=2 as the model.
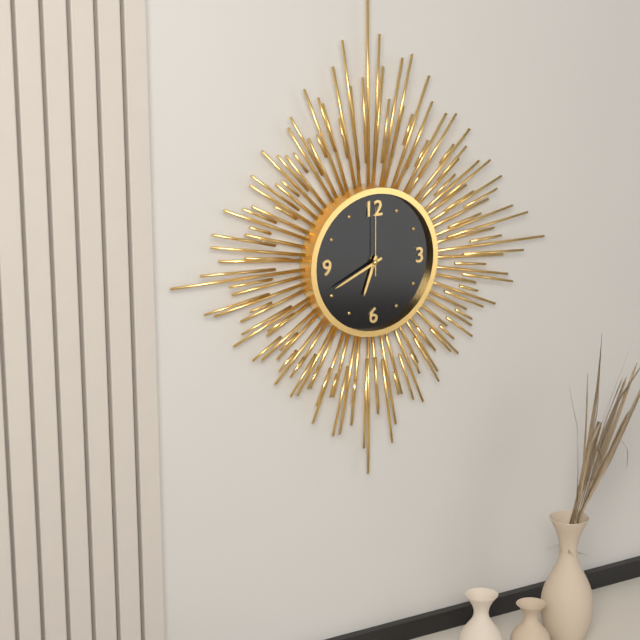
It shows h=6 m=41 s=0
